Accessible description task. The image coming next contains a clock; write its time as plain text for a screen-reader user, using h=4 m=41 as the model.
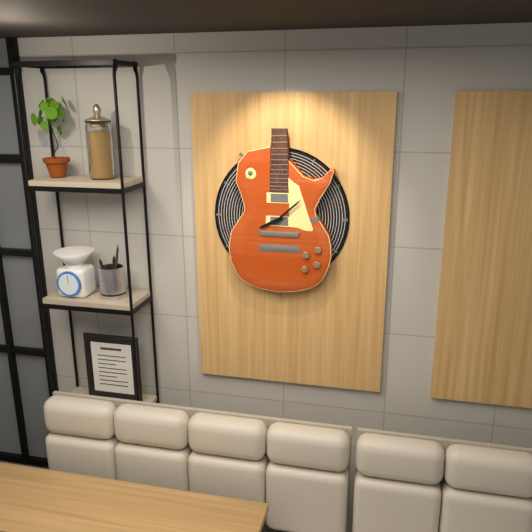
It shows h=8 m=8
